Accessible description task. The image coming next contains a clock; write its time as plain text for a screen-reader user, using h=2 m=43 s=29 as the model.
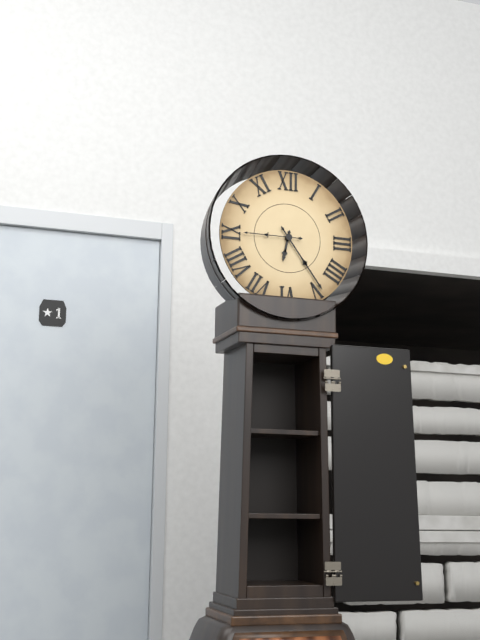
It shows h=6 m=24 s=45
